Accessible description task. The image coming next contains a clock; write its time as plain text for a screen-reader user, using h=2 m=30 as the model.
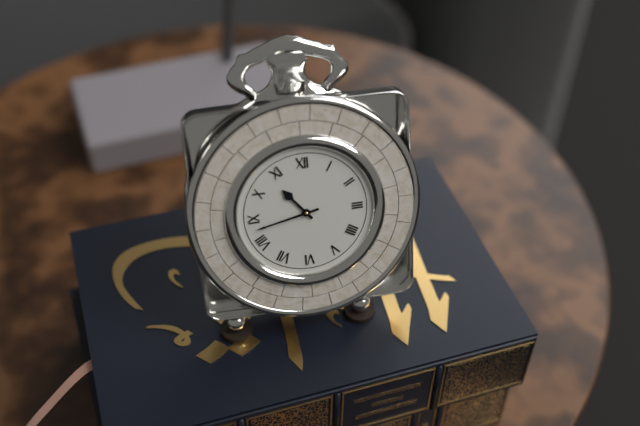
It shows h=10 m=43
